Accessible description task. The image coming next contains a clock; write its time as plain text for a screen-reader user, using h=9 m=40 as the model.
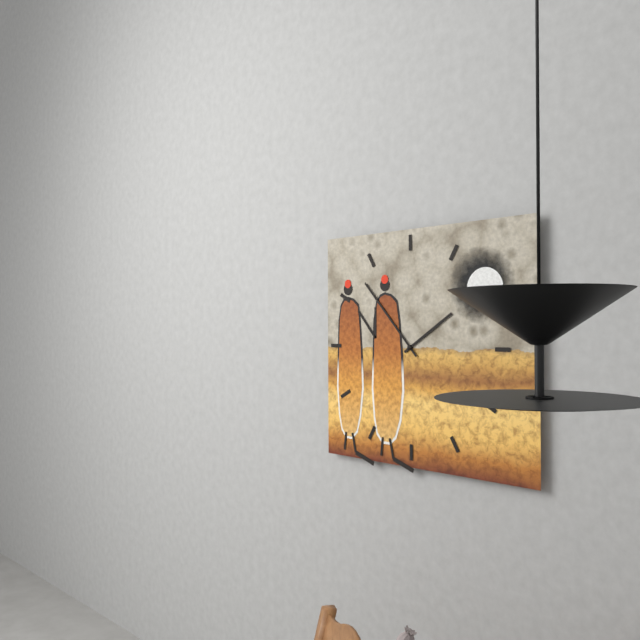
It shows h=1 m=53
